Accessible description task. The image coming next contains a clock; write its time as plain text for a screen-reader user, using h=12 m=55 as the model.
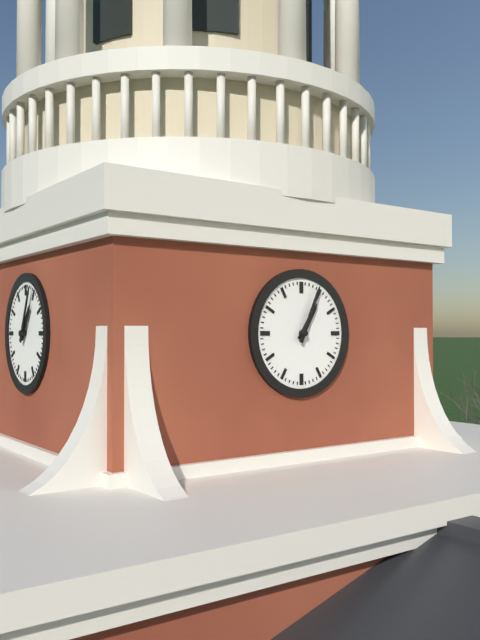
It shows h=1 m=4
